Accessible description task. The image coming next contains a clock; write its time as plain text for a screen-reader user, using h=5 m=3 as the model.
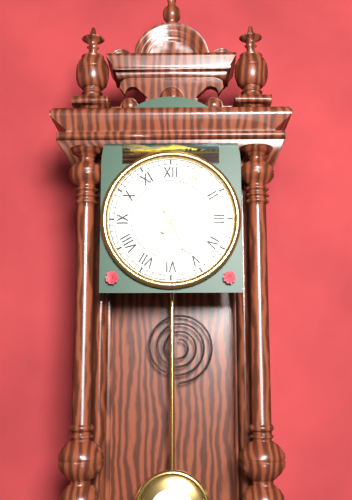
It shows h=5 m=5
